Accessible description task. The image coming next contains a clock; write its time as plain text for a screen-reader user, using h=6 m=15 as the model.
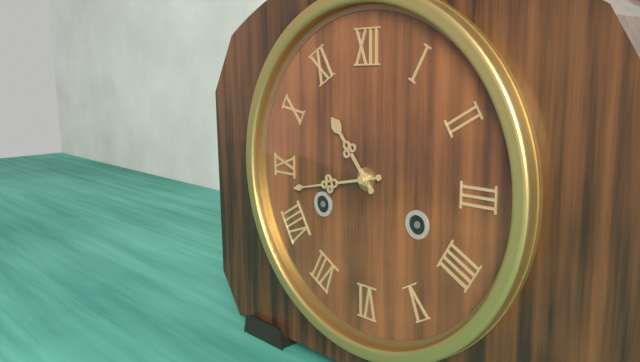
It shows h=10 m=43
